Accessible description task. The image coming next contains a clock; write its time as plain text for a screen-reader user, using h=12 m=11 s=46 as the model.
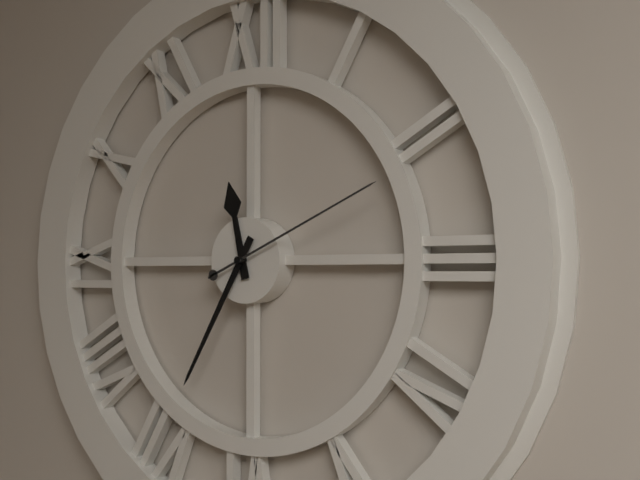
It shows h=11 m=35 s=11
